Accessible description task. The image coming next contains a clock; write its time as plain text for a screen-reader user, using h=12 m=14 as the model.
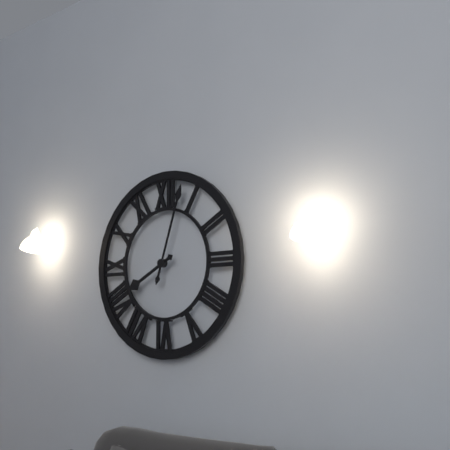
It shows h=8 m=3
